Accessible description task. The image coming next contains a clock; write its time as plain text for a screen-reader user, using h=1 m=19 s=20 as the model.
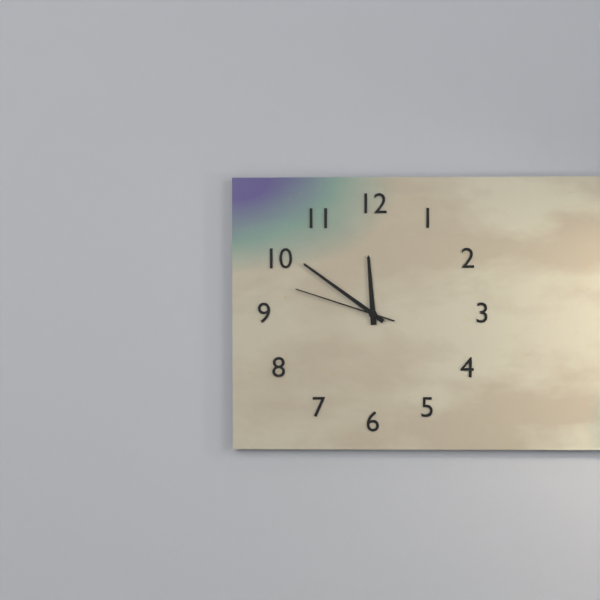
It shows h=11 m=51 s=48
